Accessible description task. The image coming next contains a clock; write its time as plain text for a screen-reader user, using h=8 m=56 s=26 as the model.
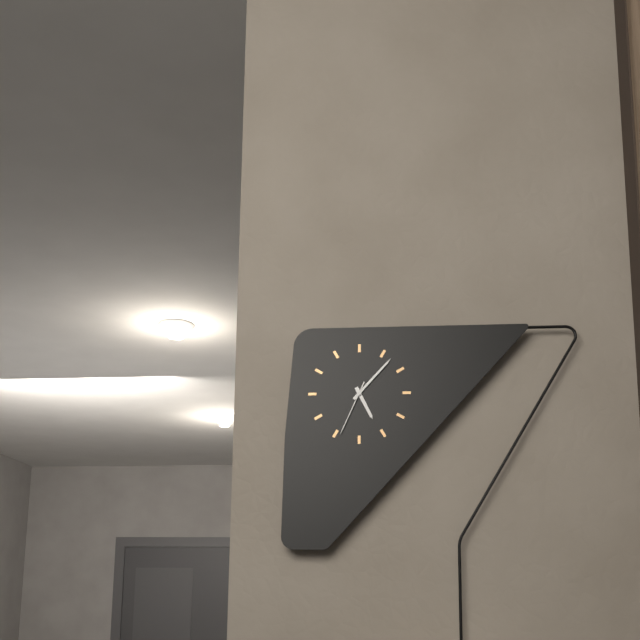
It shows h=5 m=7 s=34
